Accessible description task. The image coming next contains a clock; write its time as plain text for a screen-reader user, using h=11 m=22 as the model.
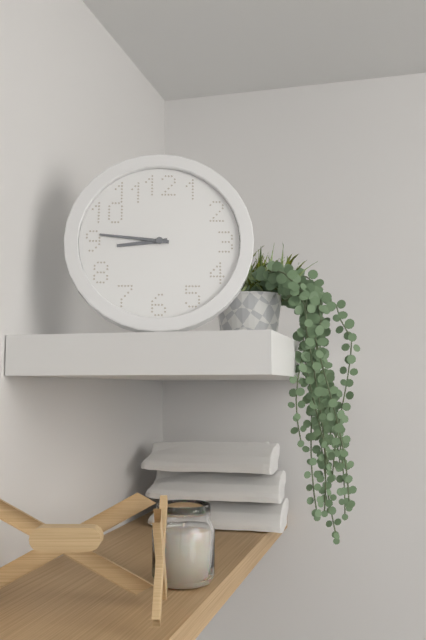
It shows h=8 m=46
